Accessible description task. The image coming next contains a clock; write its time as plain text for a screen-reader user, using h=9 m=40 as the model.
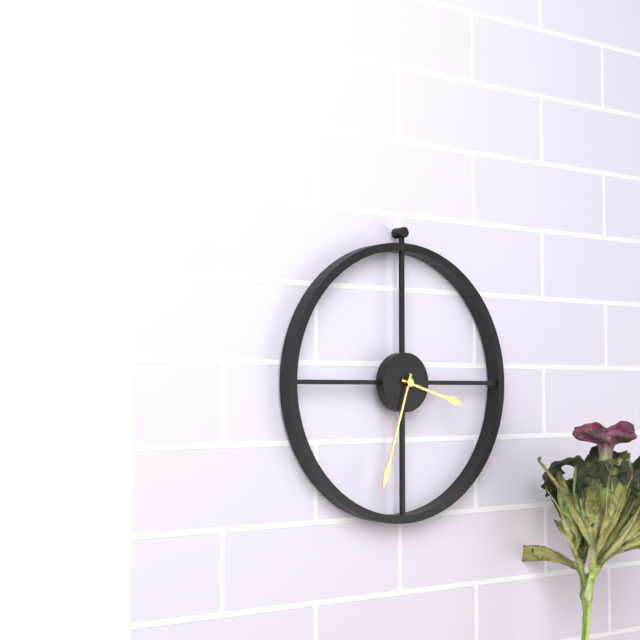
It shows h=3 m=33
